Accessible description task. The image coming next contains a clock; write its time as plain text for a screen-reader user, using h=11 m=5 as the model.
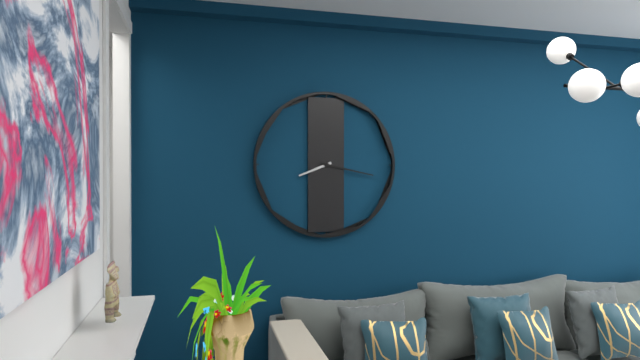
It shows h=8 m=17
